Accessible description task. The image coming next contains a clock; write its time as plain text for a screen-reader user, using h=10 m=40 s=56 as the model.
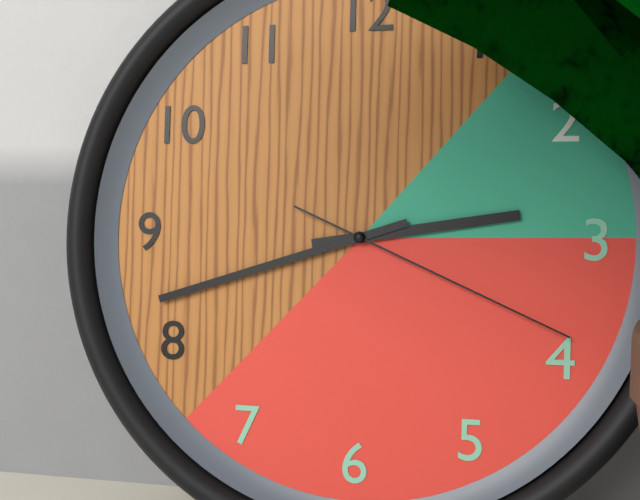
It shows h=2 m=42 s=19
